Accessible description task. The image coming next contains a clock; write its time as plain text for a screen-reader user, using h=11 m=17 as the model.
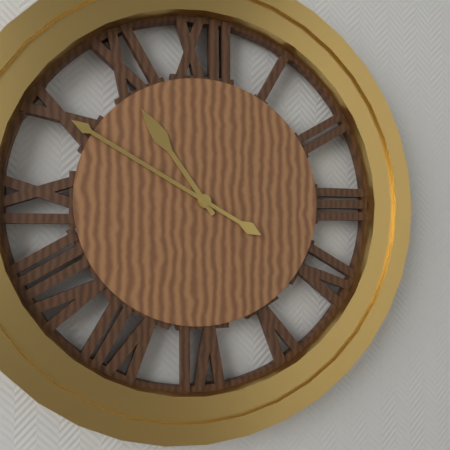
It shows h=10 m=50
